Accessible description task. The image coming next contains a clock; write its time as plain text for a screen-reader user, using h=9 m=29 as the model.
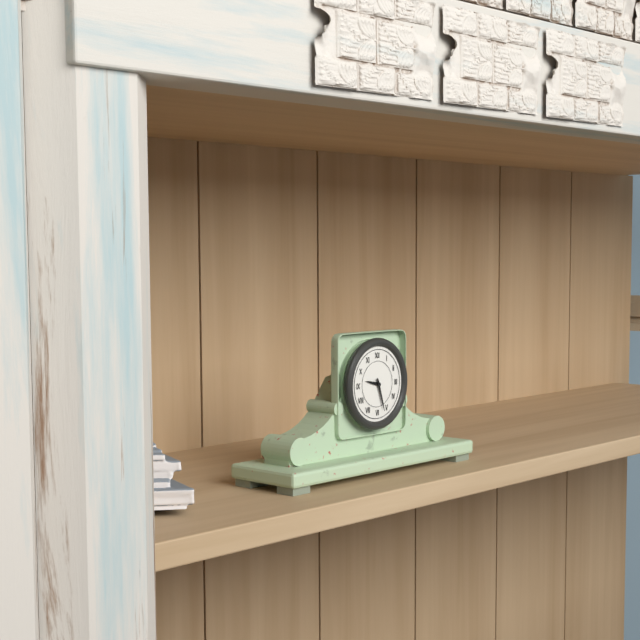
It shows h=9 m=27
